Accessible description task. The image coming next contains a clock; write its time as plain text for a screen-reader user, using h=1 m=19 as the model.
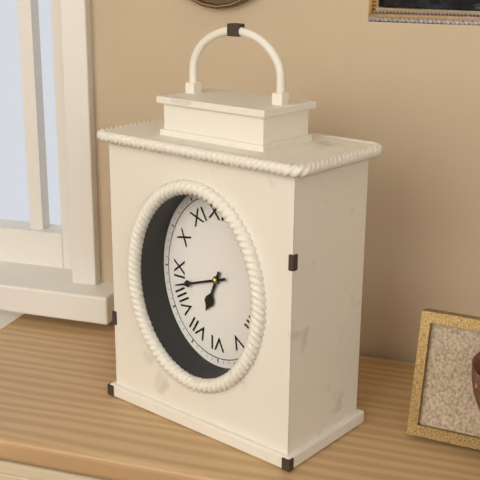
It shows h=6 m=42
